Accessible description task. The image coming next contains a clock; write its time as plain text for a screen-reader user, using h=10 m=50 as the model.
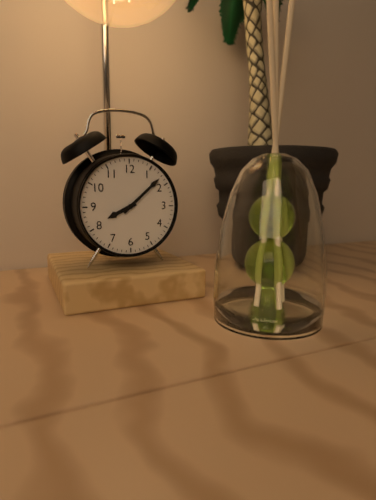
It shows h=8 m=8
